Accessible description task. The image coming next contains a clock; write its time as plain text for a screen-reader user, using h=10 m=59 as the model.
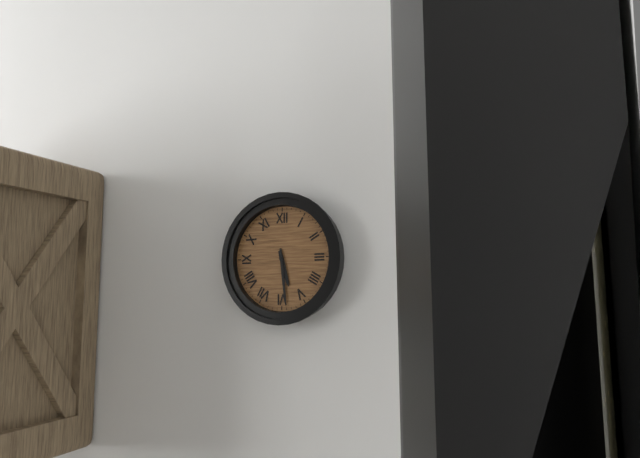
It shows h=5 m=29
